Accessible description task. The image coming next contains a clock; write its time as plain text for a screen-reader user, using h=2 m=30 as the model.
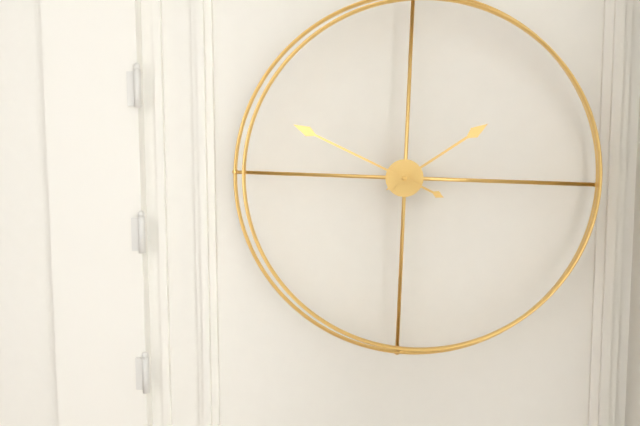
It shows h=1 m=49
